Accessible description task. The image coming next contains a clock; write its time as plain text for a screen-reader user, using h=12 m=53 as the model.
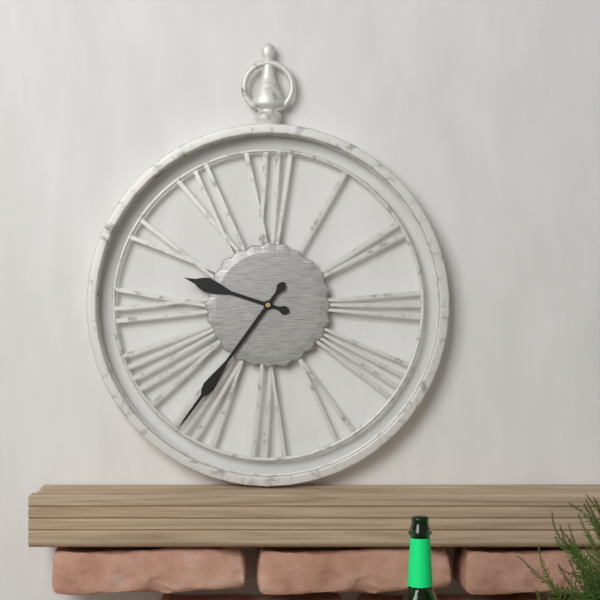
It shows h=9 m=36
